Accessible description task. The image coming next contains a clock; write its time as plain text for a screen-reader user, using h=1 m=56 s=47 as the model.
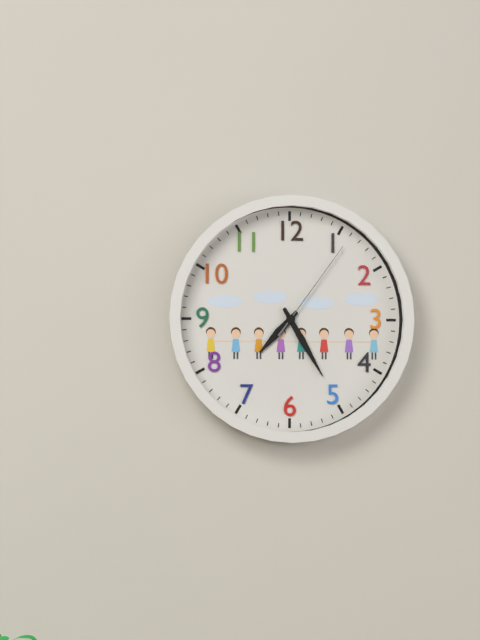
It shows h=7 m=25 s=6
